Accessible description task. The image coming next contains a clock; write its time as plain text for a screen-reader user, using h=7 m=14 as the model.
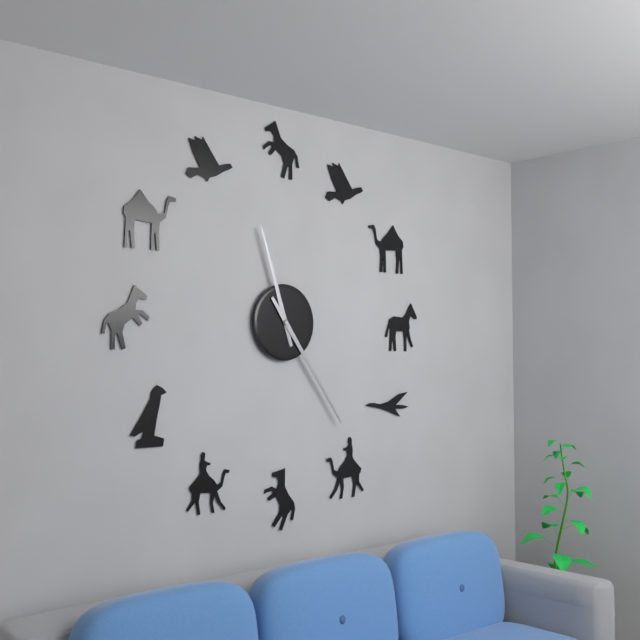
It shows h=11 m=24
